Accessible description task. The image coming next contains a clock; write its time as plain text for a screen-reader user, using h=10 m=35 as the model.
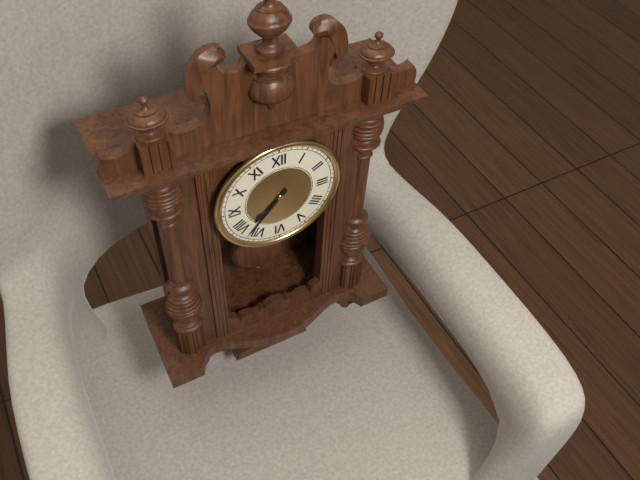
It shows h=7 m=37
